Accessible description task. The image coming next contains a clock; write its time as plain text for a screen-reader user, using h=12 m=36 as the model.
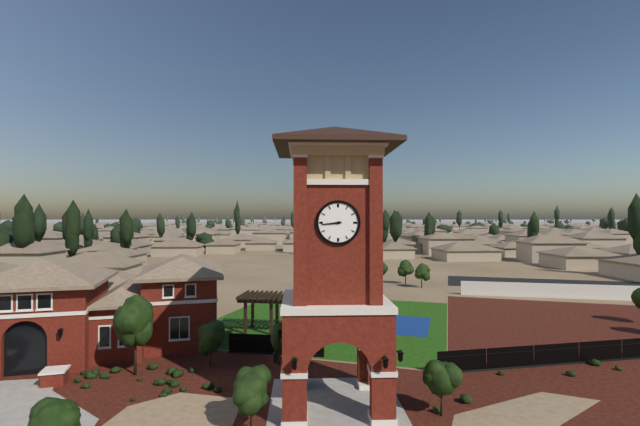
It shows h=8 m=44
